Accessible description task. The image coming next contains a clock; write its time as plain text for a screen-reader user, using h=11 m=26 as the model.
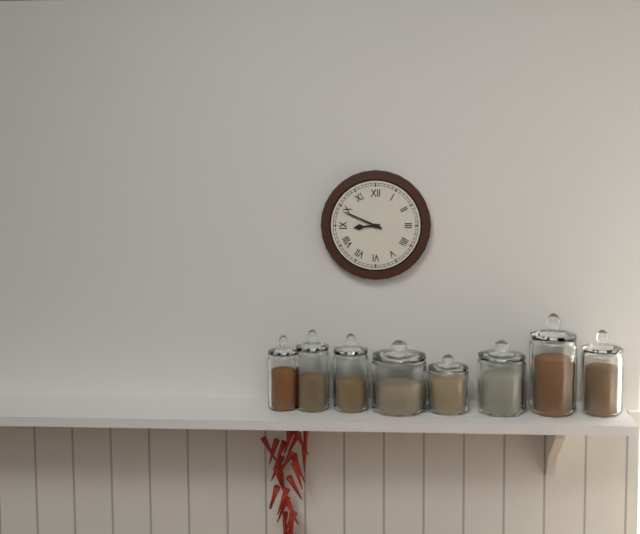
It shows h=8 m=49
